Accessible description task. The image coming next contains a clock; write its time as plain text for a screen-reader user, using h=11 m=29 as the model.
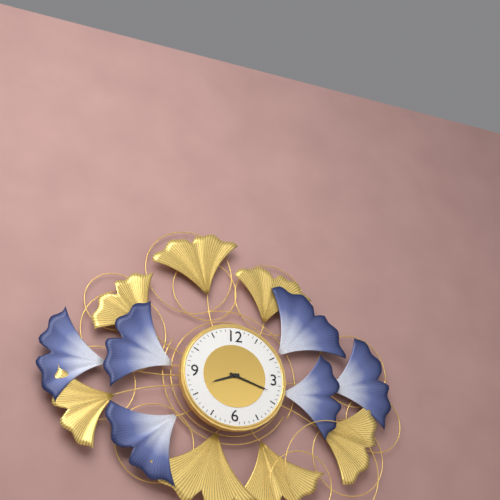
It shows h=8 m=18
